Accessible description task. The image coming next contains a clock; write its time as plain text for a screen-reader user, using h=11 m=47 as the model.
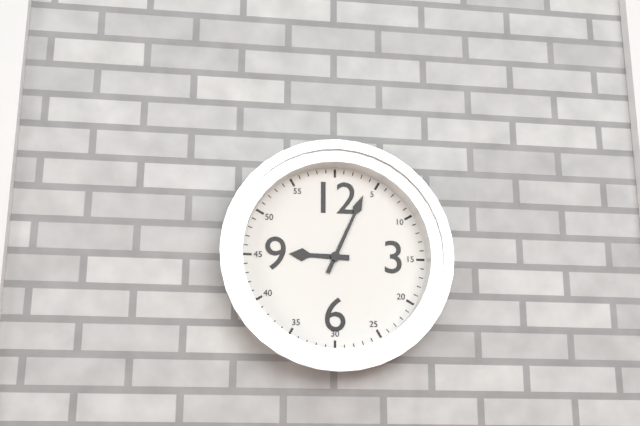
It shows h=9 m=4
